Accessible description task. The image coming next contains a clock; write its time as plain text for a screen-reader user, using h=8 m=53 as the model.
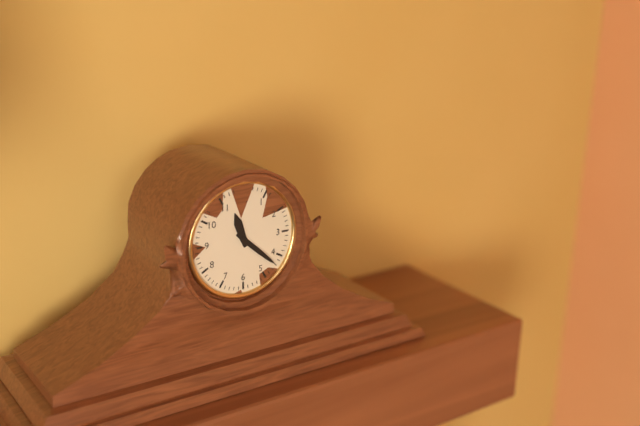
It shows h=11 m=22
